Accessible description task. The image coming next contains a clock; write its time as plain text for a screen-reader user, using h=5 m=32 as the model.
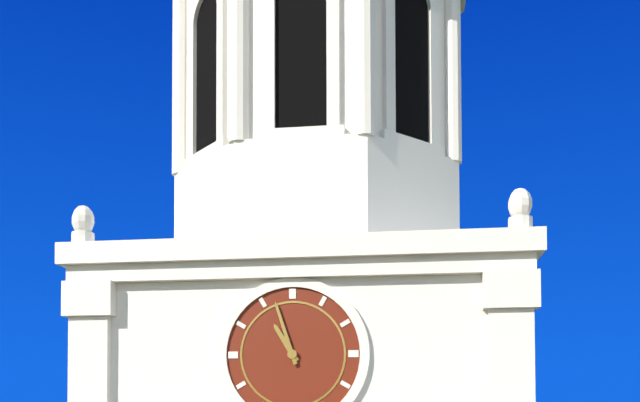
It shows h=10 m=57
